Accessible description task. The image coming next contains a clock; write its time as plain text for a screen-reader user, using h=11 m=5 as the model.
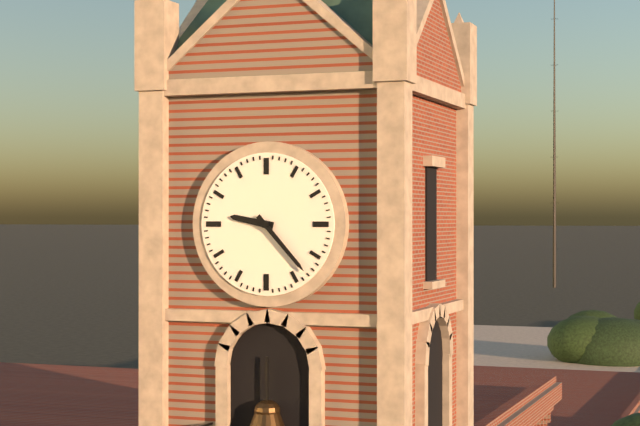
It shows h=9 m=23
